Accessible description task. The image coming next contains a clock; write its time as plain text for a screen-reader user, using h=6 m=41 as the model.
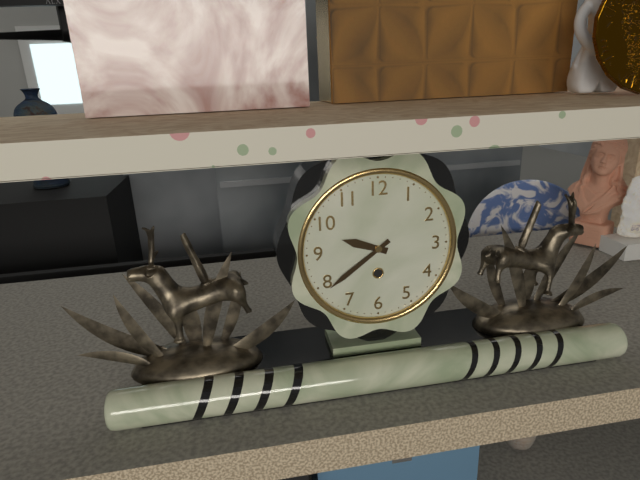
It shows h=9 m=39
